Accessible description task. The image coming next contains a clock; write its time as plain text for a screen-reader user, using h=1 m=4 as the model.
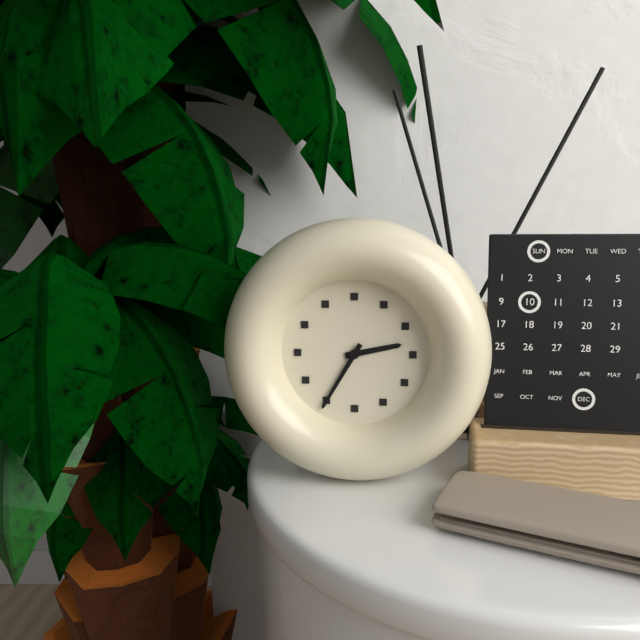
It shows h=2 m=35
